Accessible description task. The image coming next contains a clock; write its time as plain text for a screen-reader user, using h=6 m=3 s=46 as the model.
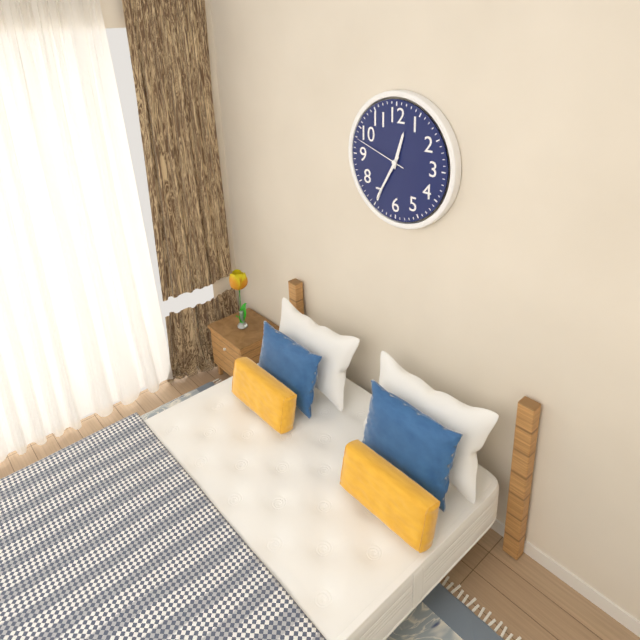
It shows h=12 m=35 s=48
